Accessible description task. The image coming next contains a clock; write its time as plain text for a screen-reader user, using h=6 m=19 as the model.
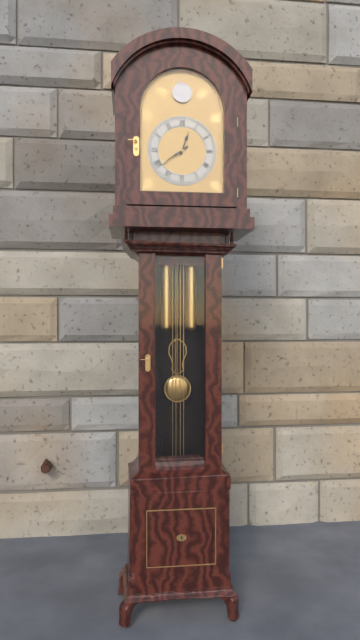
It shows h=12 m=39
